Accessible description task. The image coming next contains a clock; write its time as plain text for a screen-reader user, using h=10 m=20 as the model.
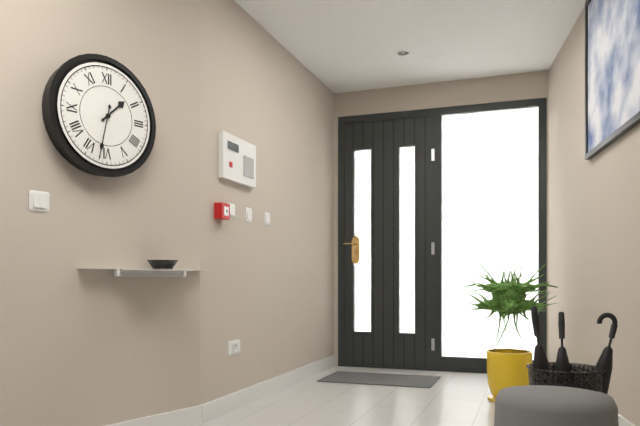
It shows h=1 m=32
